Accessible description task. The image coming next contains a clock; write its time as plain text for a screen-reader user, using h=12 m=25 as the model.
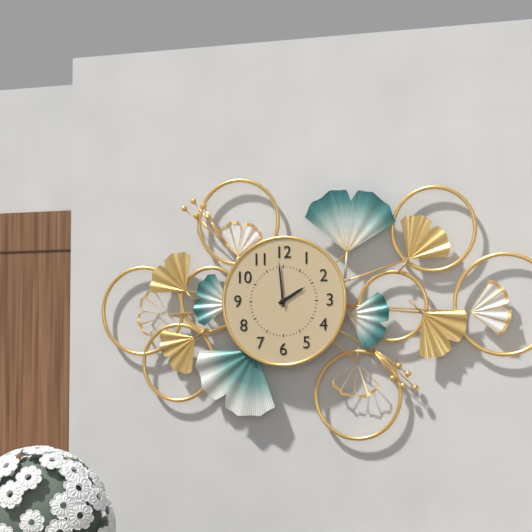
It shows h=1 m=59
